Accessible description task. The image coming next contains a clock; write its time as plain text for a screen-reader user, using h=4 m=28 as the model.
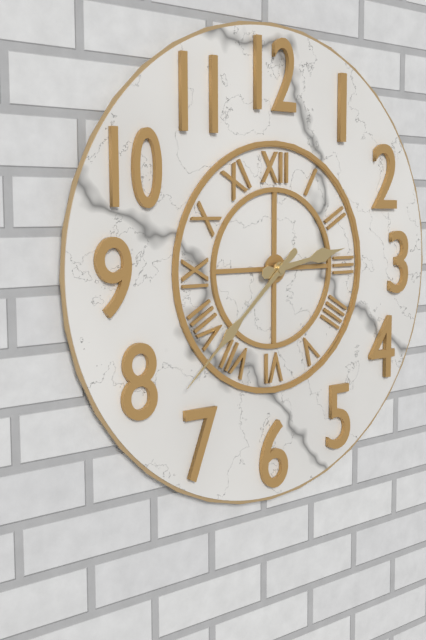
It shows h=2 m=38
